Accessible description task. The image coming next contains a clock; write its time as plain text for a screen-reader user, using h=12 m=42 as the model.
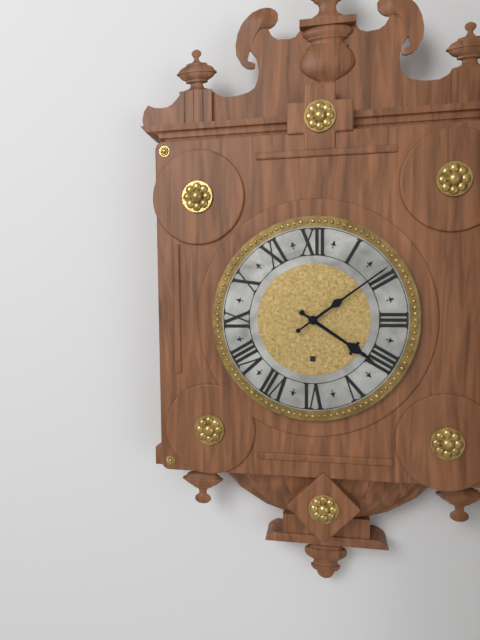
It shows h=4 m=9
